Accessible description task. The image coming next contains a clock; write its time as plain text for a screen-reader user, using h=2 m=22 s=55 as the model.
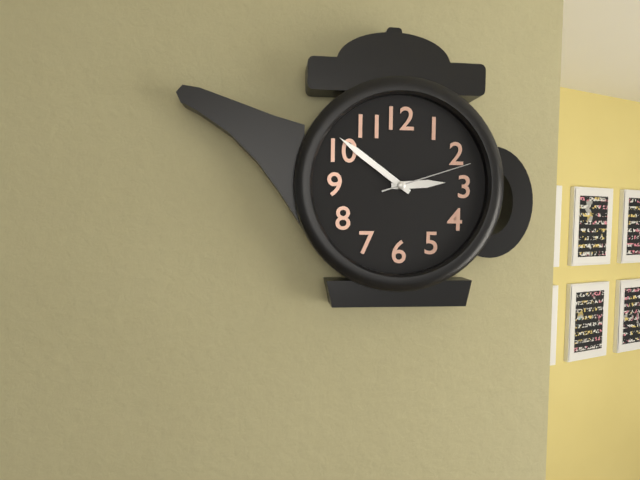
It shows h=2 m=51 s=12
